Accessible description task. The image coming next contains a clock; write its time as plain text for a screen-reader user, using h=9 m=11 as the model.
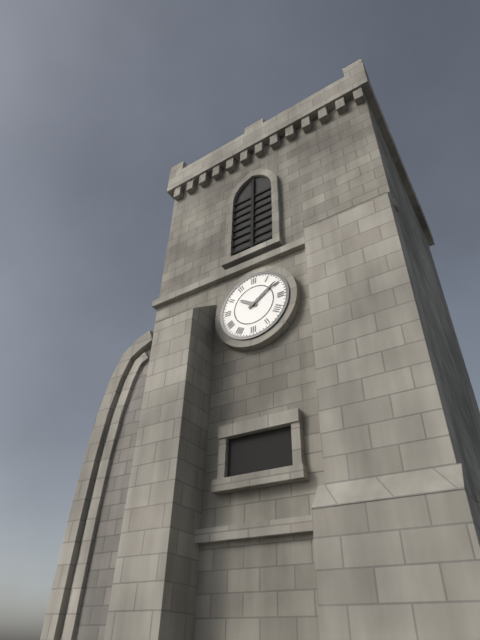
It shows h=10 m=9
